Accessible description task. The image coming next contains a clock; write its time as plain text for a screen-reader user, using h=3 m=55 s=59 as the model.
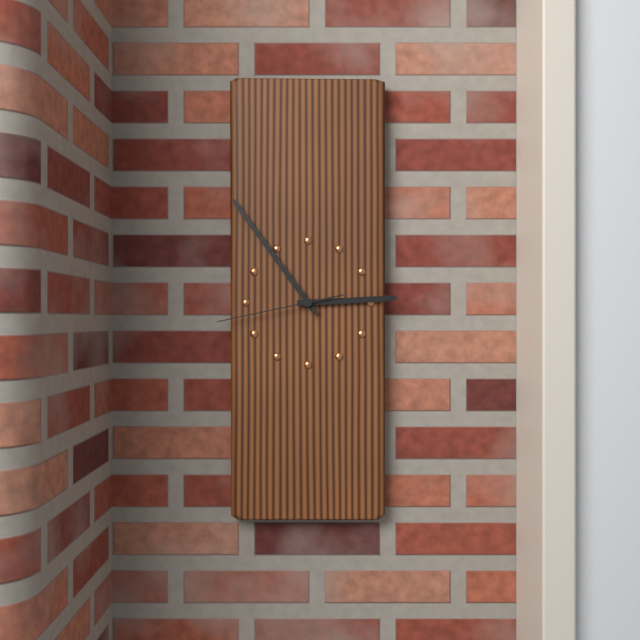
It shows h=2 m=54 s=43
